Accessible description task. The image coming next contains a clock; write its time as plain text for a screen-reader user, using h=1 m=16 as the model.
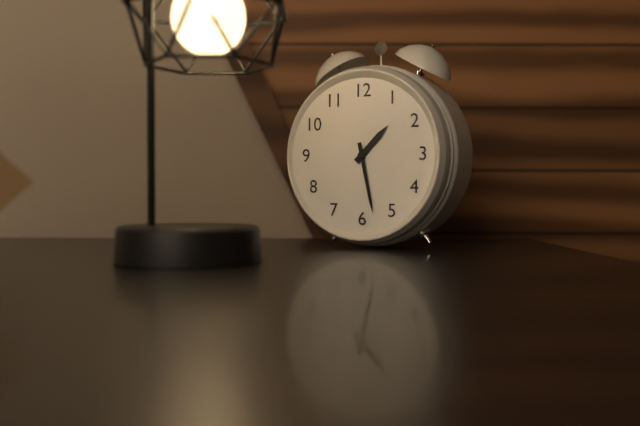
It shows h=1 m=28
